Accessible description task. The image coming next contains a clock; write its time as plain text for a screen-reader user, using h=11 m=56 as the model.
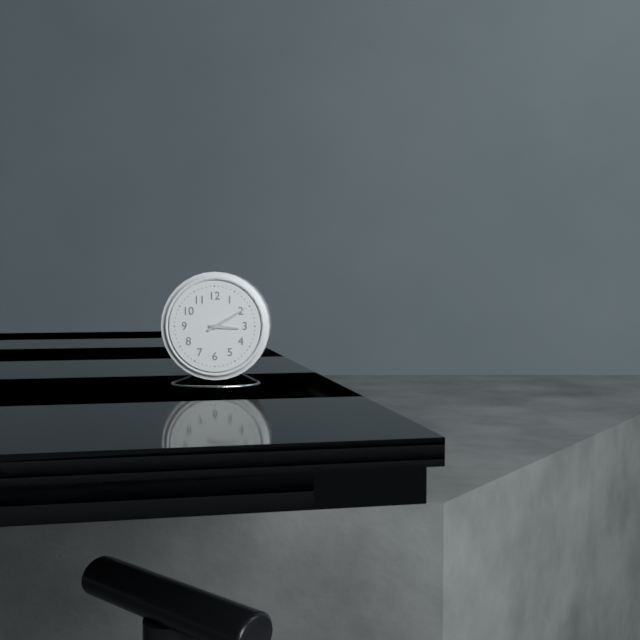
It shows h=3 m=10
